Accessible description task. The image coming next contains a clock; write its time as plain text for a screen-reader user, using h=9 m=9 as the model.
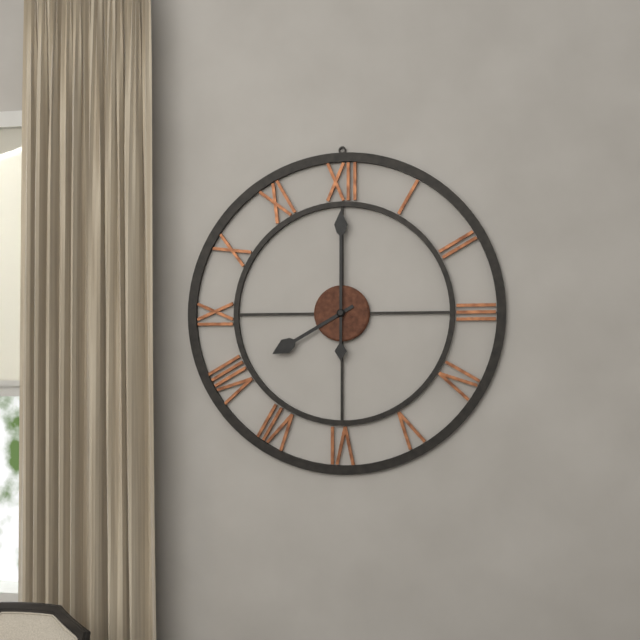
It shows h=8 m=0
